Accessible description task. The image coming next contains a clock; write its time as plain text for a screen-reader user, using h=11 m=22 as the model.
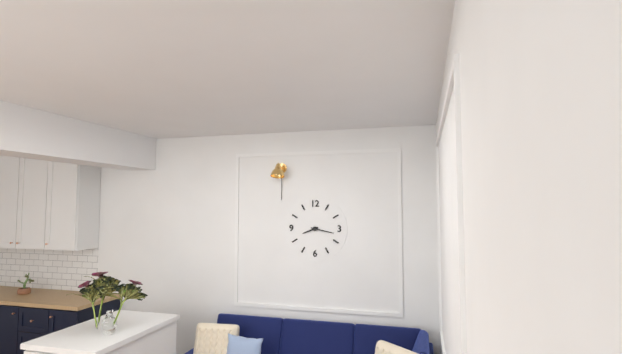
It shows h=8 m=17
